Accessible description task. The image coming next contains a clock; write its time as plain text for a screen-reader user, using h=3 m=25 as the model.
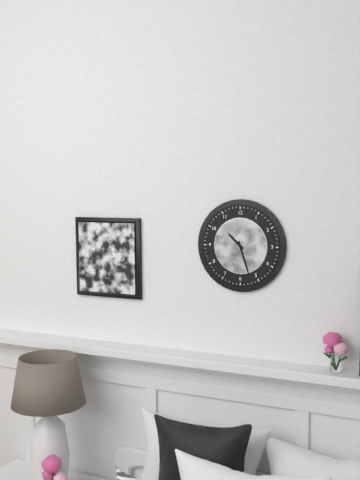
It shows h=10 m=27
